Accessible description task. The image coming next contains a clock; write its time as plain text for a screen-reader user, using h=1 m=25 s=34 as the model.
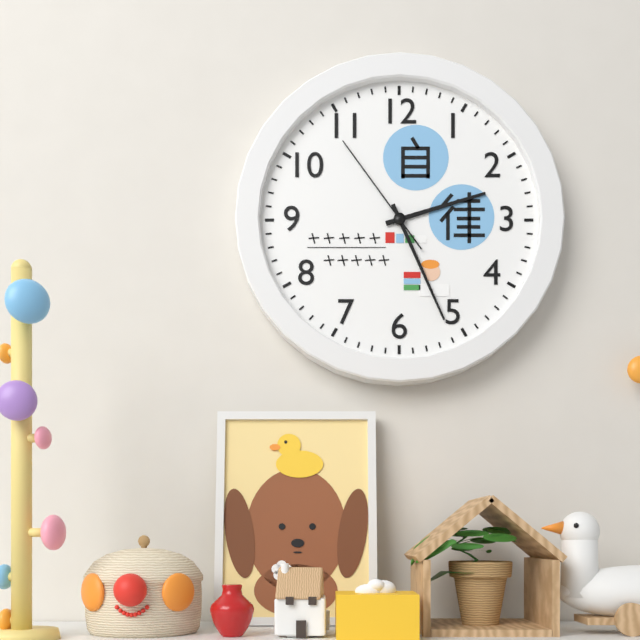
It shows h=2 m=26 s=54
